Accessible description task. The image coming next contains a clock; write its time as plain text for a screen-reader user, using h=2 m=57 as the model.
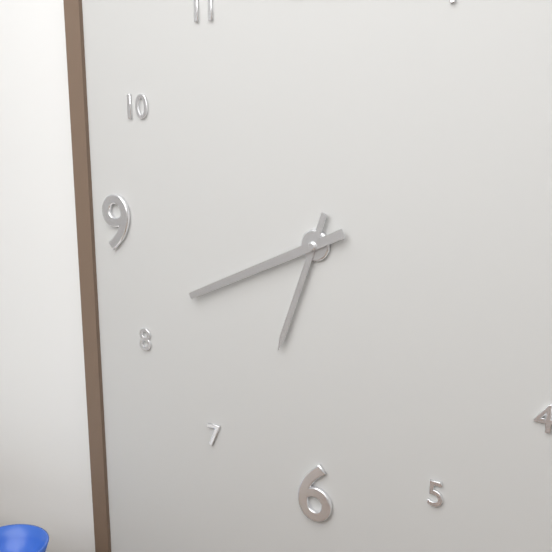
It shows h=6 m=41
